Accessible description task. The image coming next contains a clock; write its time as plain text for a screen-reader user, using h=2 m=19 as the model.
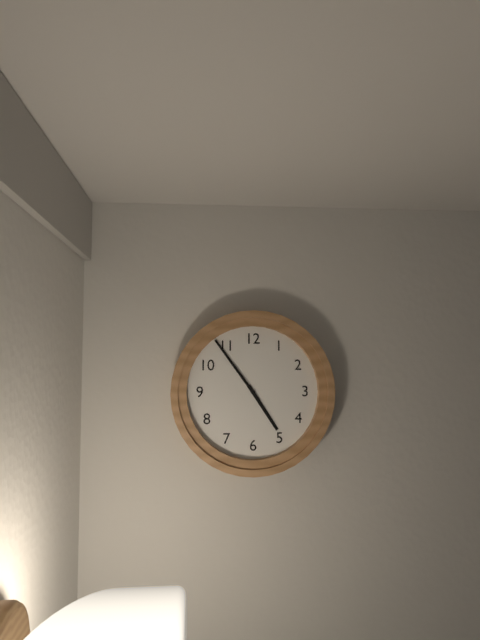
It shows h=4 m=54
